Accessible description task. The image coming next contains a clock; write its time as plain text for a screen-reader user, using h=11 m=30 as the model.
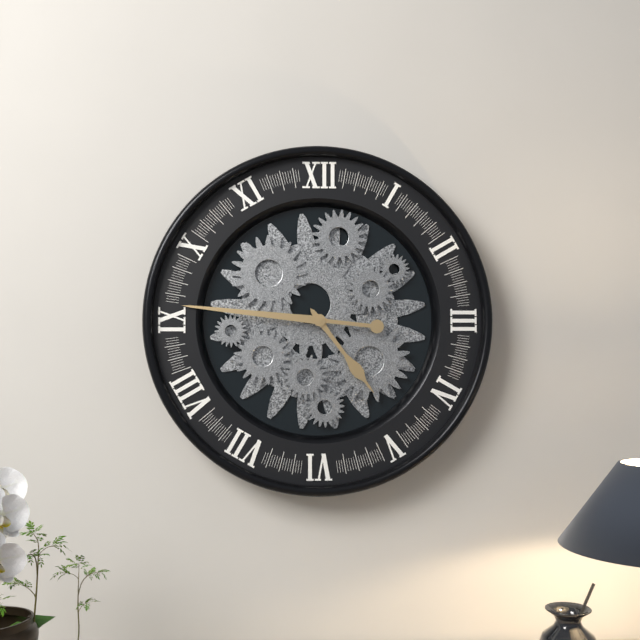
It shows h=4 m=46
